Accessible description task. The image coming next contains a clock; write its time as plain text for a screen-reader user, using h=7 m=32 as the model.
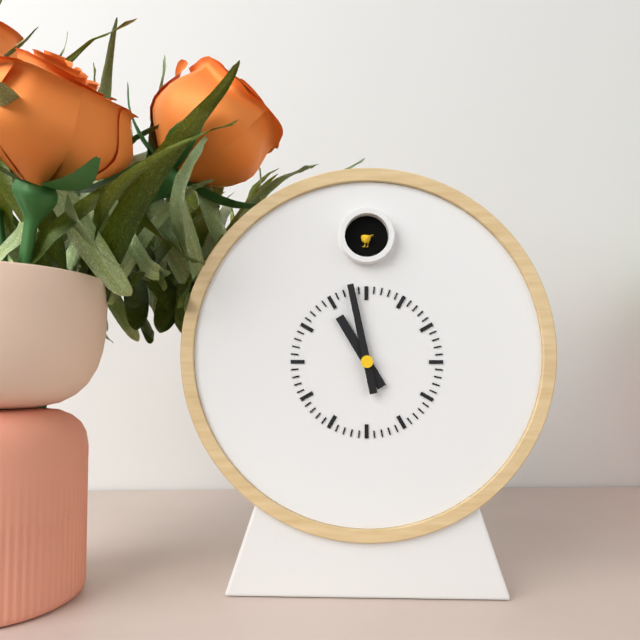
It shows h=10 m=58
